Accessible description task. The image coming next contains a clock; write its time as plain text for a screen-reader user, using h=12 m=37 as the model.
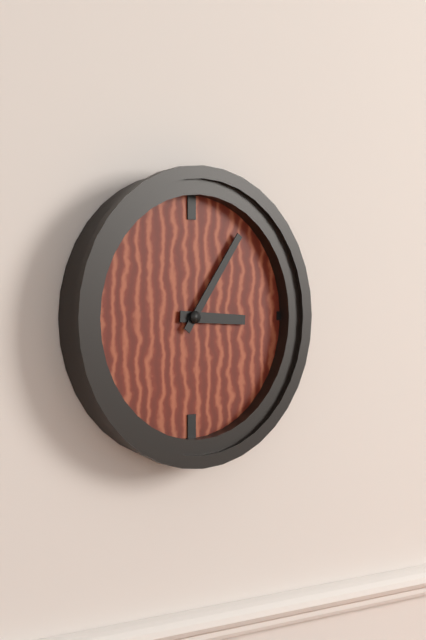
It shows h=3 m=6
